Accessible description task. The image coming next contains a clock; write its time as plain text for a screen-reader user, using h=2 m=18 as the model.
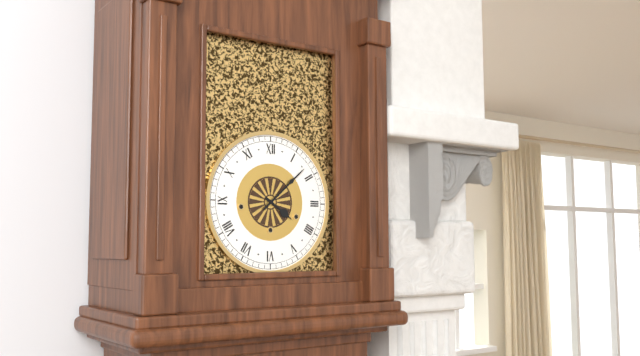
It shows h=4 m=8
